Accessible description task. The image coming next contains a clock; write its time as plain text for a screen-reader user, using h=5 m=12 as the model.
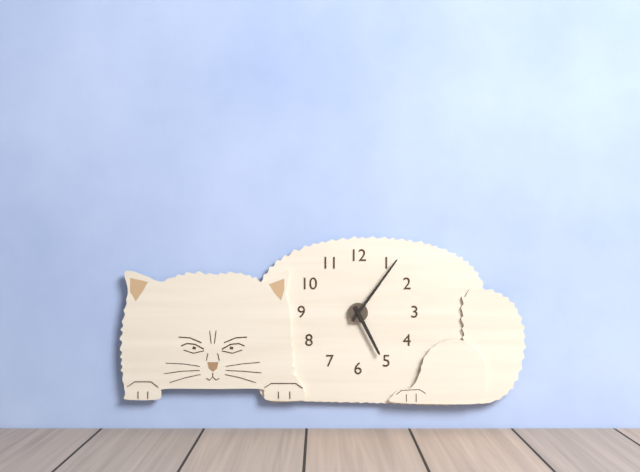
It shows h=5 m=6
